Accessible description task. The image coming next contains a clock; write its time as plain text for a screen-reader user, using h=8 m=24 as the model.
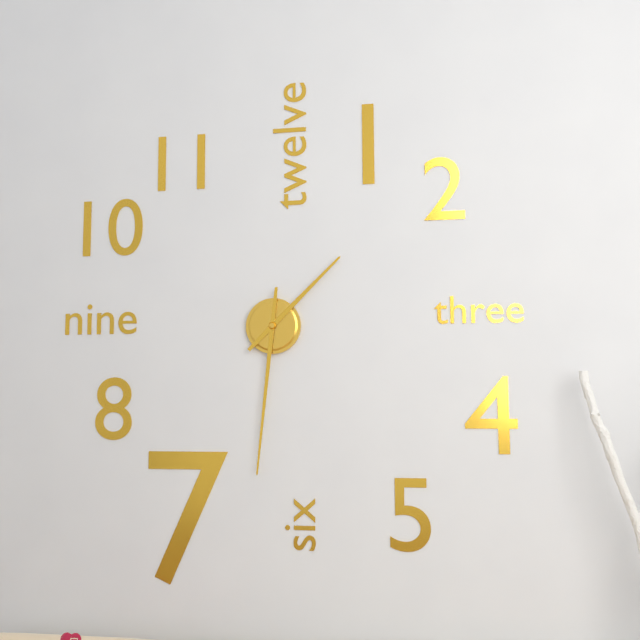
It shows h=1 m=31
